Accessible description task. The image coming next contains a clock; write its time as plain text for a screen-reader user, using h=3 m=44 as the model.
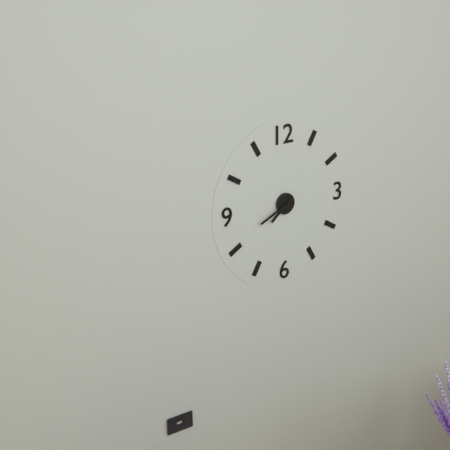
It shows h=7 m=41
